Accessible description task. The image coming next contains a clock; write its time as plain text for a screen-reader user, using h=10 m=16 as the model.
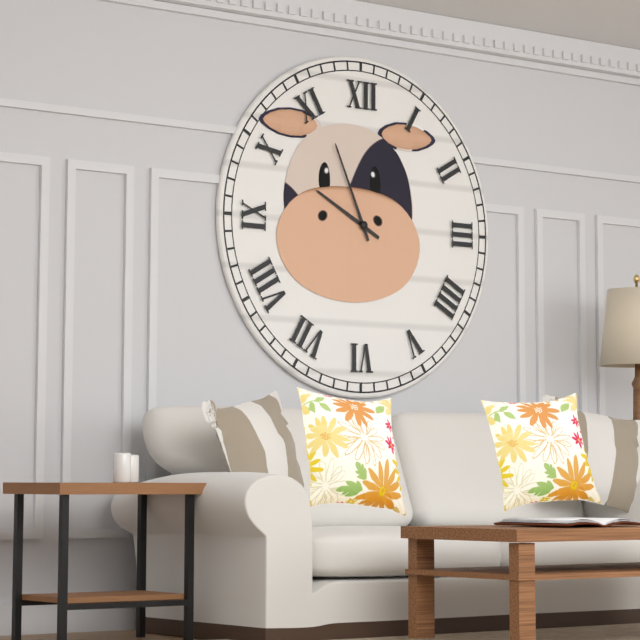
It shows h=9 m=56
